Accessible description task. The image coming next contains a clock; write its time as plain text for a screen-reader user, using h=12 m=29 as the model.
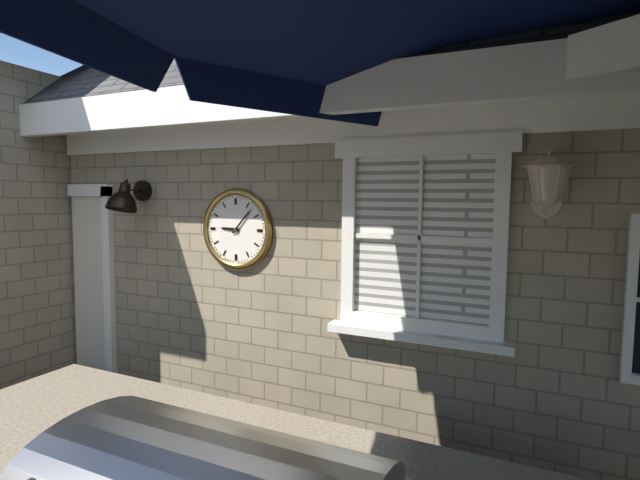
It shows h=9 m=7
